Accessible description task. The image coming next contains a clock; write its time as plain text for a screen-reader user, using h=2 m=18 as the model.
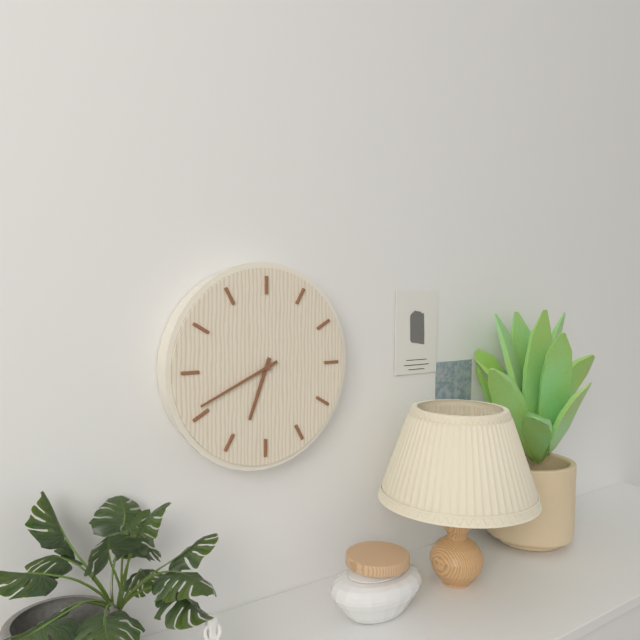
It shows h=6 m=41
